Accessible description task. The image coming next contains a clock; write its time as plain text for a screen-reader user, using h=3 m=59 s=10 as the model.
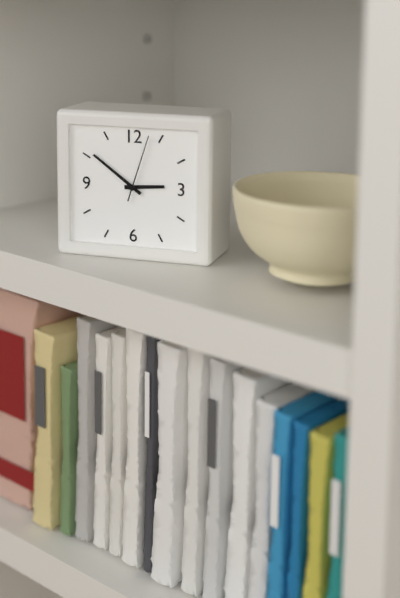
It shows h=2 m=51 s=3
